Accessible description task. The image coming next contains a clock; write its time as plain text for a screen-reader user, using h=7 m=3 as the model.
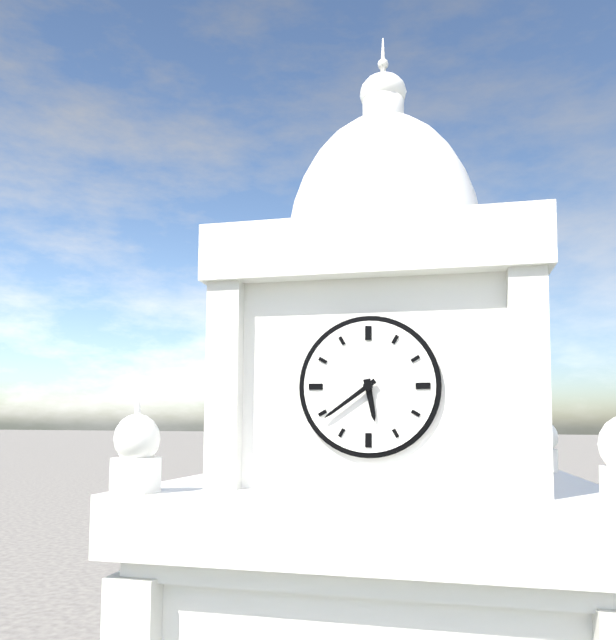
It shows h=5 m=39
